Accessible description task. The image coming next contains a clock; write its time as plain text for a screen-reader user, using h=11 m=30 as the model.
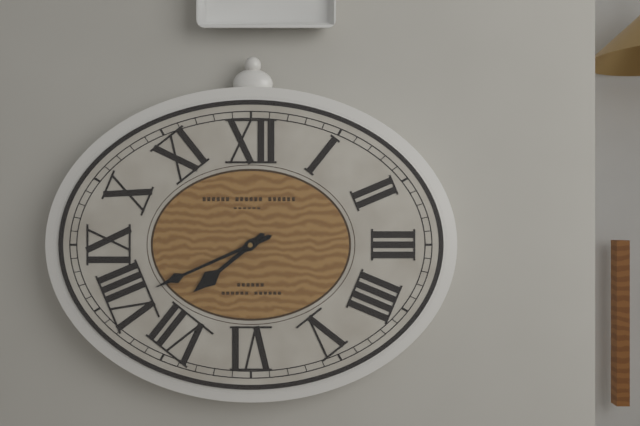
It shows h=7 m=41
